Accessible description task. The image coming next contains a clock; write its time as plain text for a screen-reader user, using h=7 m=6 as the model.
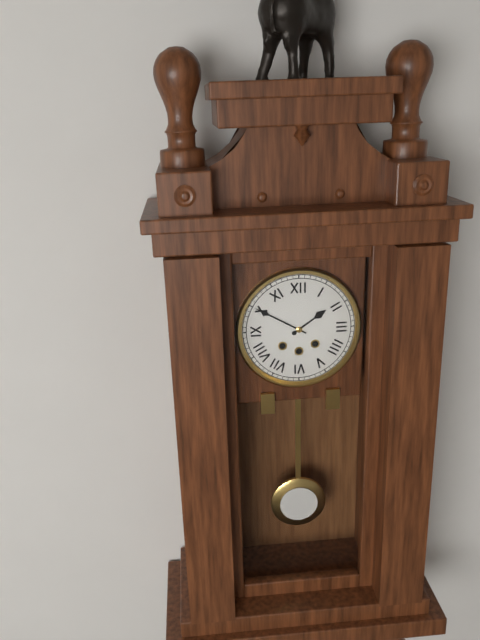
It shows h=1 m=50
